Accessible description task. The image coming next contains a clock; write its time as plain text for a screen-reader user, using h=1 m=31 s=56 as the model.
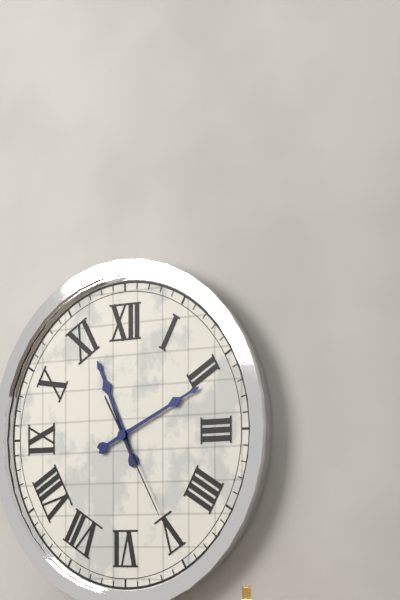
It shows h=11 m=11 s=25
